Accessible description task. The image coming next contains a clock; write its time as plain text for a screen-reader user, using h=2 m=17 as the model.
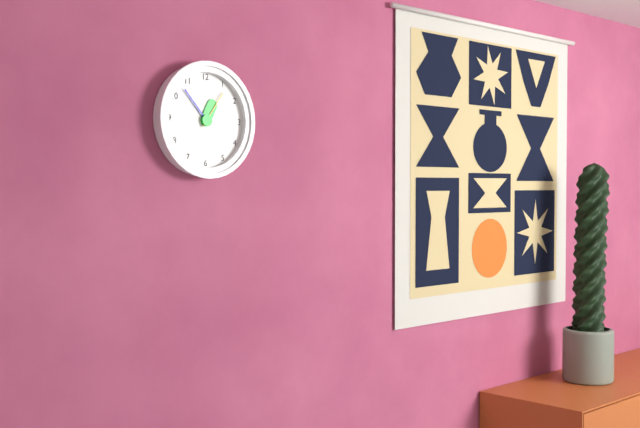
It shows h=12 m=53
